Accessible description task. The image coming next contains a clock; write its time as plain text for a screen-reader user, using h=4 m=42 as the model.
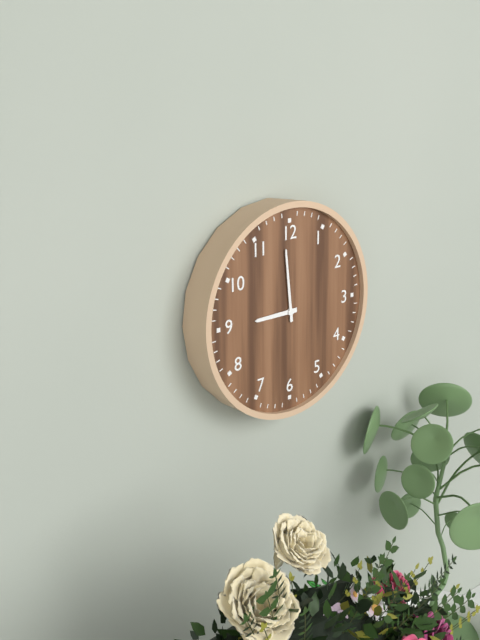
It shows h=8 m=59
